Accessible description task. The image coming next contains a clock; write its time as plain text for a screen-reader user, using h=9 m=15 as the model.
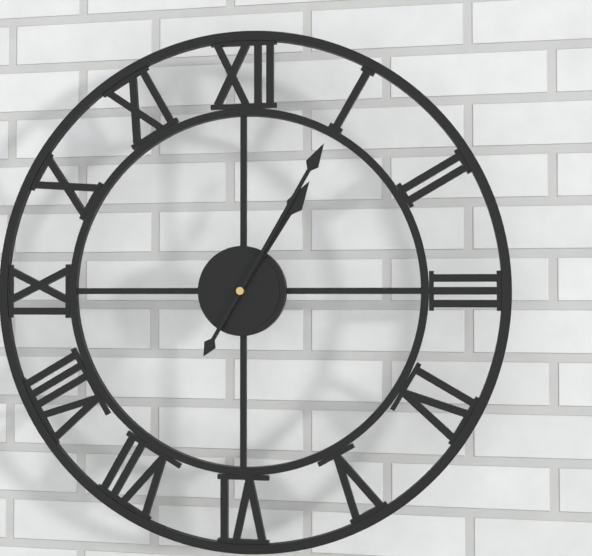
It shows h=1 m=5
